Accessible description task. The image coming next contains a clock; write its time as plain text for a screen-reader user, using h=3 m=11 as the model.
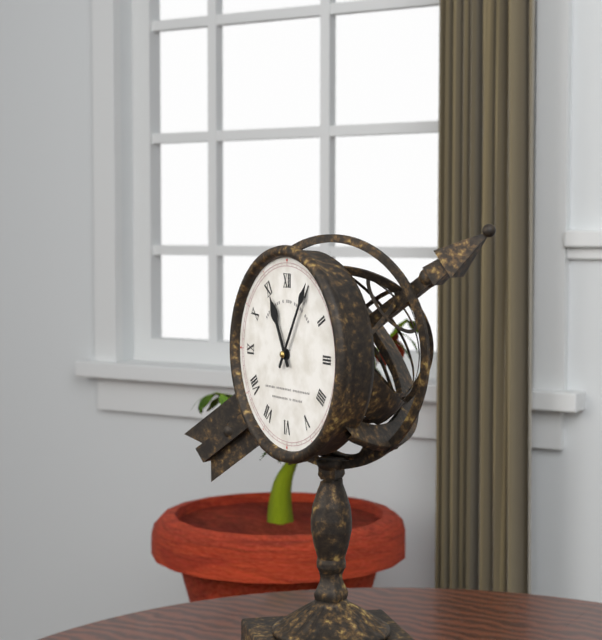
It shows h=11 m=5
